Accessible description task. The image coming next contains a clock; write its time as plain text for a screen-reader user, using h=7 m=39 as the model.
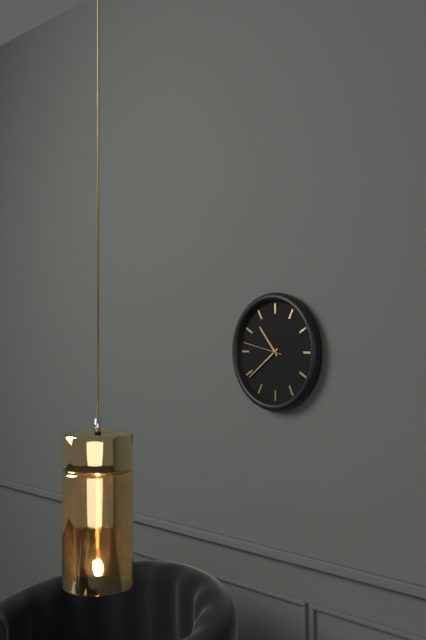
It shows h=10 m=39
